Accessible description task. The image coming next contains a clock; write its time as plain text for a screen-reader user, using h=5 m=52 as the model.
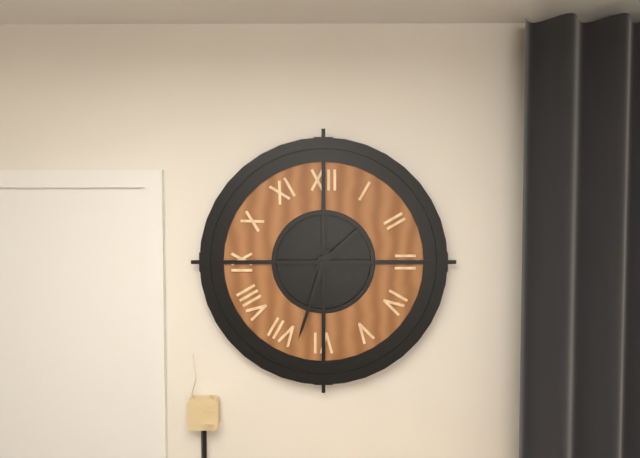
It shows h=1 m=33
